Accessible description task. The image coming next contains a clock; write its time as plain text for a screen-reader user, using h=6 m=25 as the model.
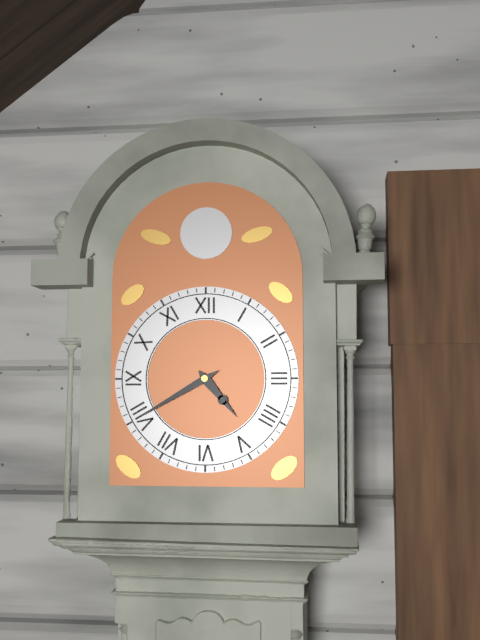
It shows h=4 m=40
